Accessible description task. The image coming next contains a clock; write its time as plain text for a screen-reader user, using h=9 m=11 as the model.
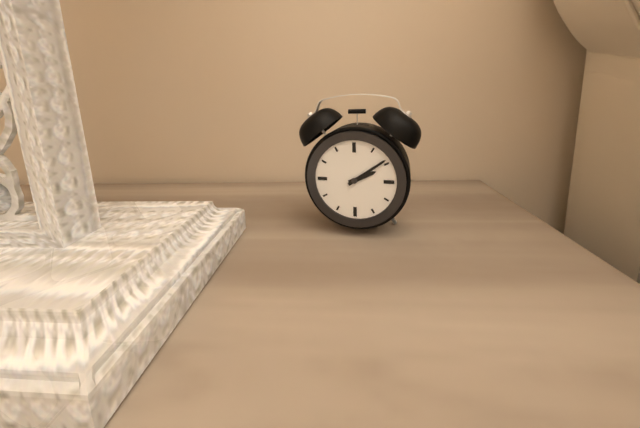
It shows h=2 m=9
